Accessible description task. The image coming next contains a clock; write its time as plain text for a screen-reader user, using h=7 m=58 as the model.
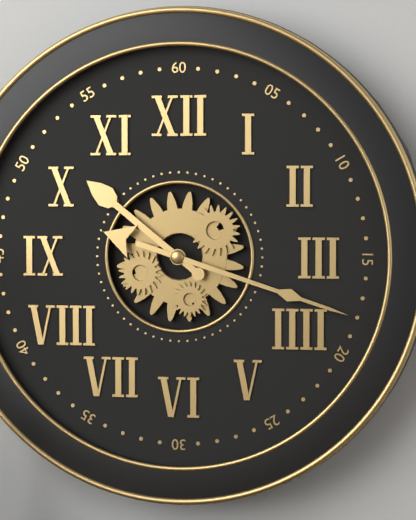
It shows h=10 m=18
